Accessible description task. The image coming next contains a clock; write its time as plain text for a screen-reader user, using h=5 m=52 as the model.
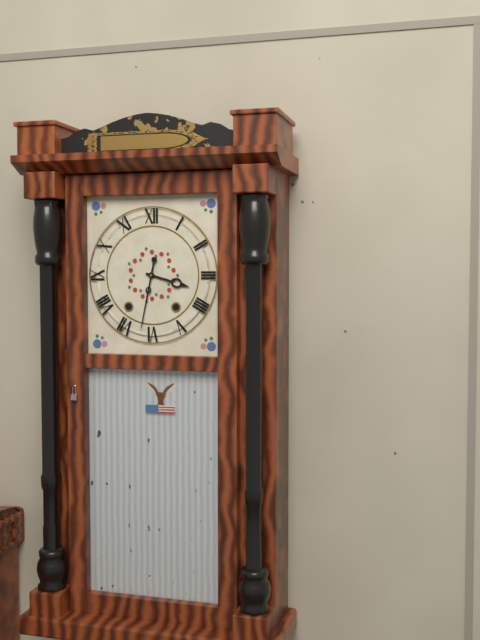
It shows h=3 m=32
